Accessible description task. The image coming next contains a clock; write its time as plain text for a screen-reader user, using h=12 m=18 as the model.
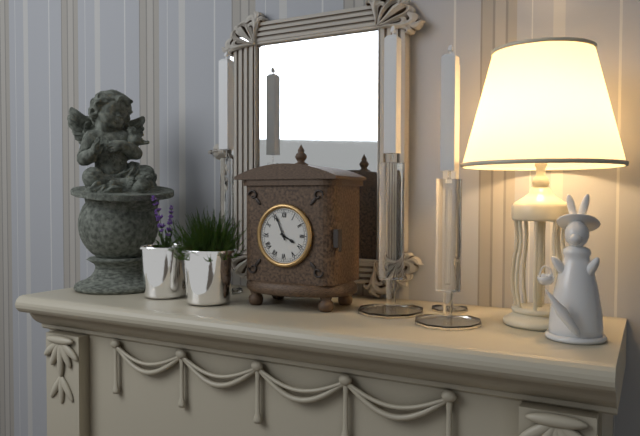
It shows h=3 m=56
